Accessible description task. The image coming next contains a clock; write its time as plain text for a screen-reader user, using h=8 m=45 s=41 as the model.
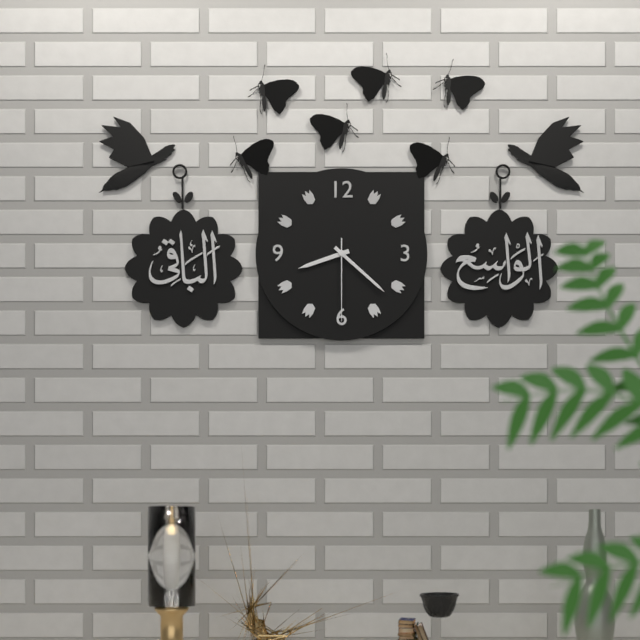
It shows h=8 m=22 s=30
